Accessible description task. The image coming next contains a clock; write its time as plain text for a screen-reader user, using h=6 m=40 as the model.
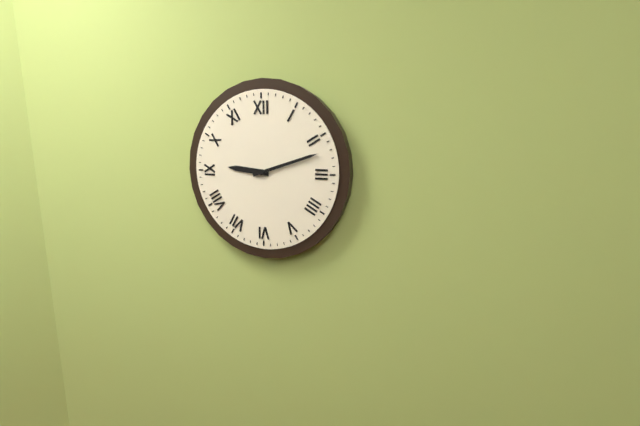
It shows h=9 m=12
